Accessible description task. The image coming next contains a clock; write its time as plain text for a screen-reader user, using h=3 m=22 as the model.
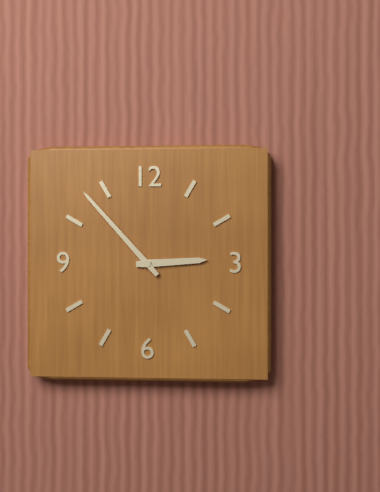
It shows h=2 m=53
